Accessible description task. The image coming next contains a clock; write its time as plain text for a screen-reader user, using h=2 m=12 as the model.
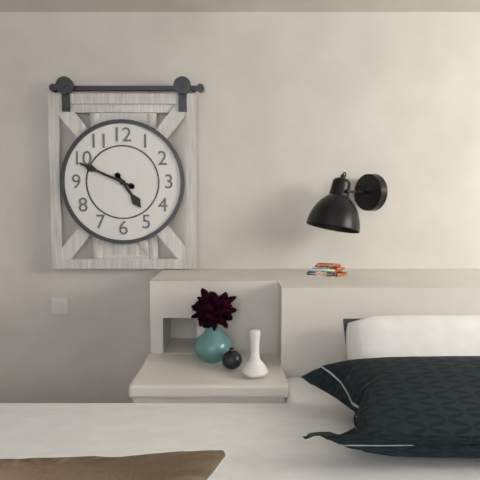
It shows h=4 m=49
